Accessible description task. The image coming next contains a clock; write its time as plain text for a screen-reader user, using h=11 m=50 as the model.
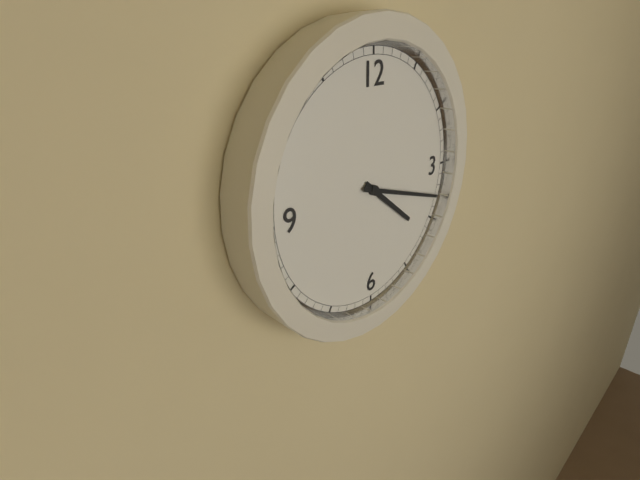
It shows h=4 m=18
